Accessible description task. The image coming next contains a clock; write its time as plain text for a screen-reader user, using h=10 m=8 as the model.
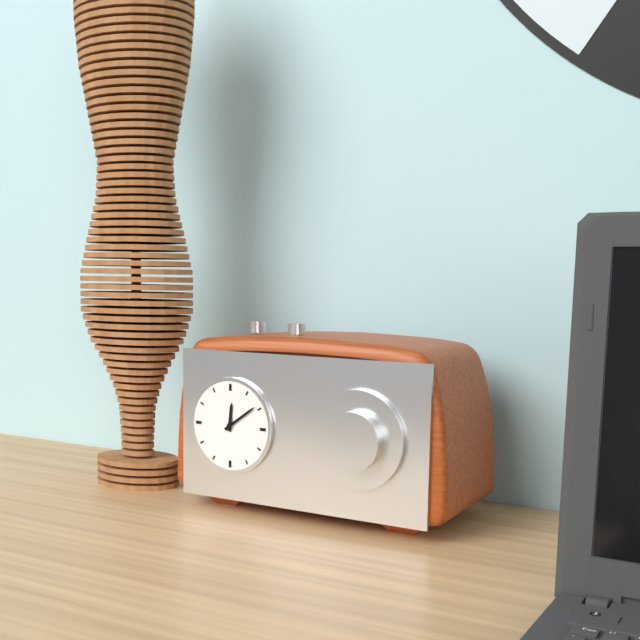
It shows h=12 m=9
